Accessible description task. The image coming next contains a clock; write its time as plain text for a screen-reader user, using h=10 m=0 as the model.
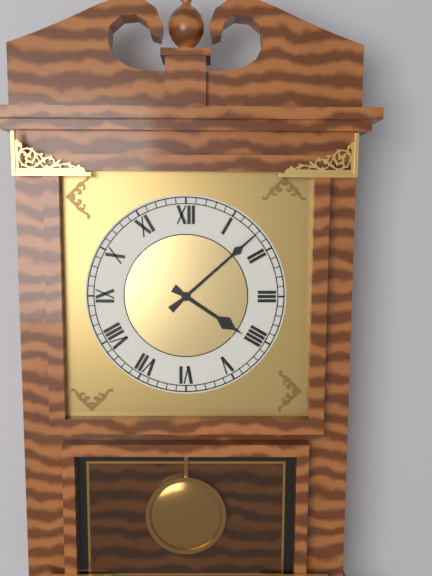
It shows h=4 m=8
